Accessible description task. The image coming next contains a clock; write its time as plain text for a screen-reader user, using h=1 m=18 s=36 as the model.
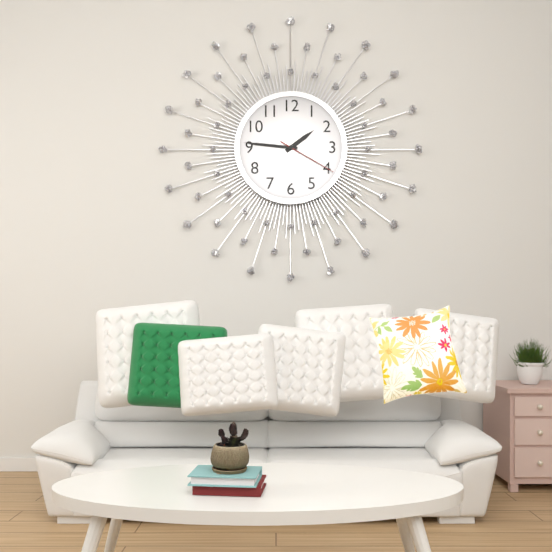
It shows h=1 m=46 s=20
